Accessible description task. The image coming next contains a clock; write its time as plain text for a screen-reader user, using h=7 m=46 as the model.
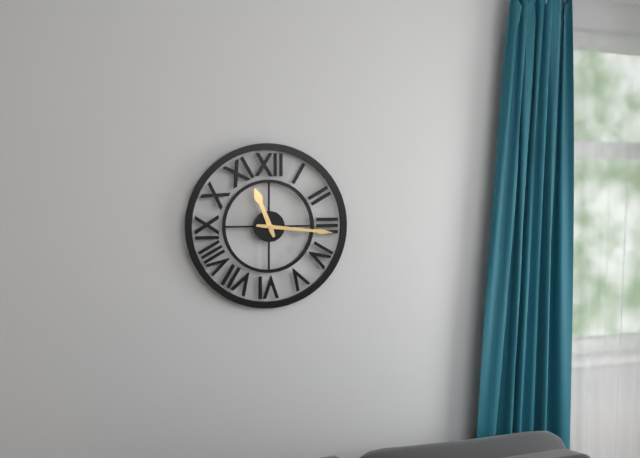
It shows h=11 m=16
